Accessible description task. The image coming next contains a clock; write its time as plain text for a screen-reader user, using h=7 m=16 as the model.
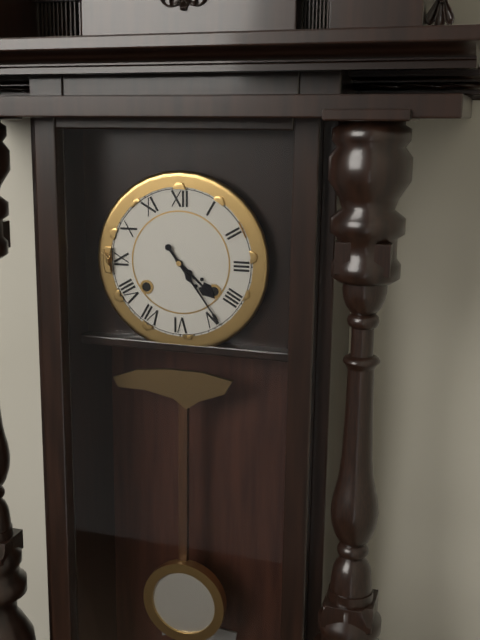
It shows h=4 m=24
